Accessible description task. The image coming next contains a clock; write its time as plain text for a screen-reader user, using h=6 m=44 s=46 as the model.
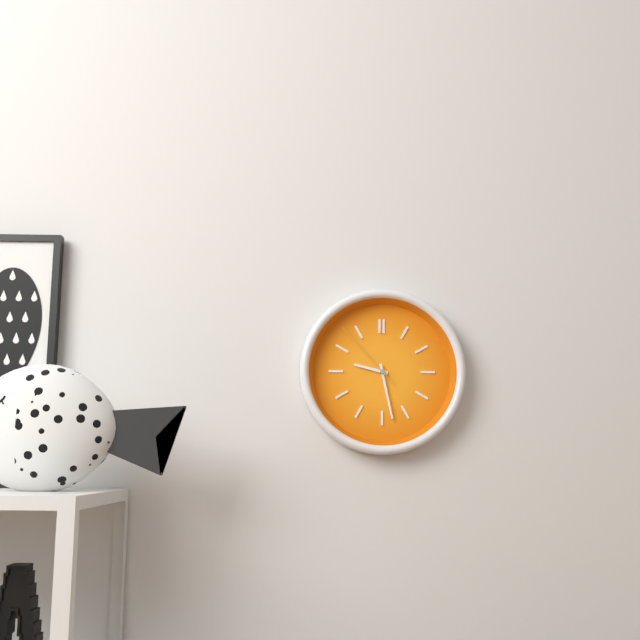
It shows h=9 m=28 s=53
